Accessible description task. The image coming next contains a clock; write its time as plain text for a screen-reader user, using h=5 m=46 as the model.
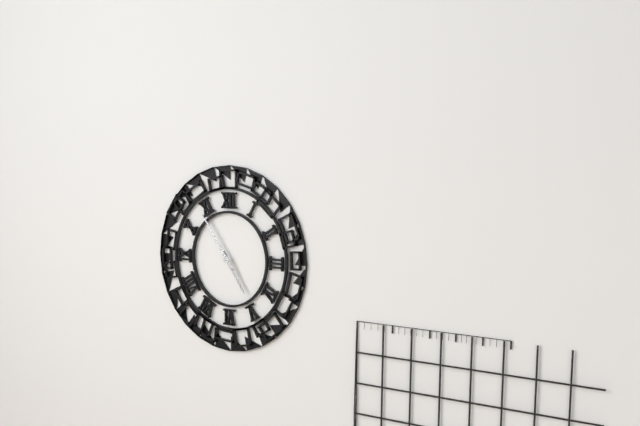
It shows h=4 m=54
